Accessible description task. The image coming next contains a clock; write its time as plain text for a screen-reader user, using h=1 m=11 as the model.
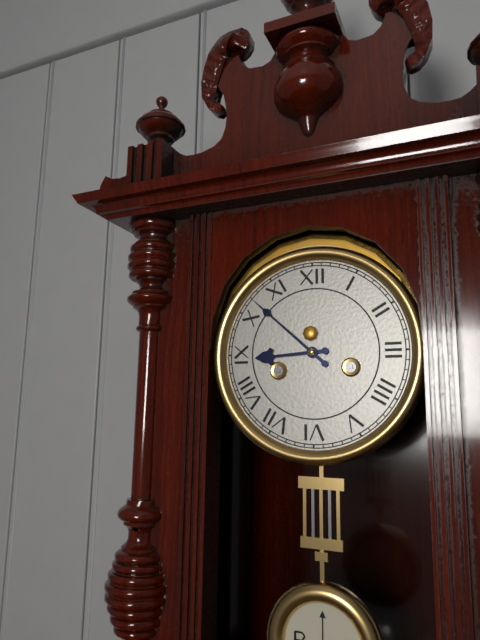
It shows h=8 m=52
